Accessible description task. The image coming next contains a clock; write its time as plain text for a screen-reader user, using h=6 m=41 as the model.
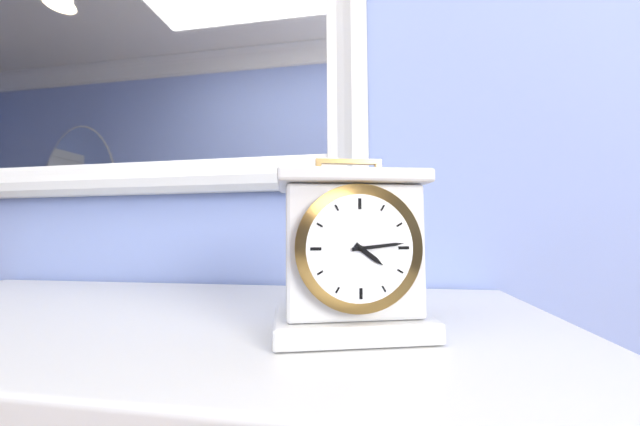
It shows h=4 m=14
